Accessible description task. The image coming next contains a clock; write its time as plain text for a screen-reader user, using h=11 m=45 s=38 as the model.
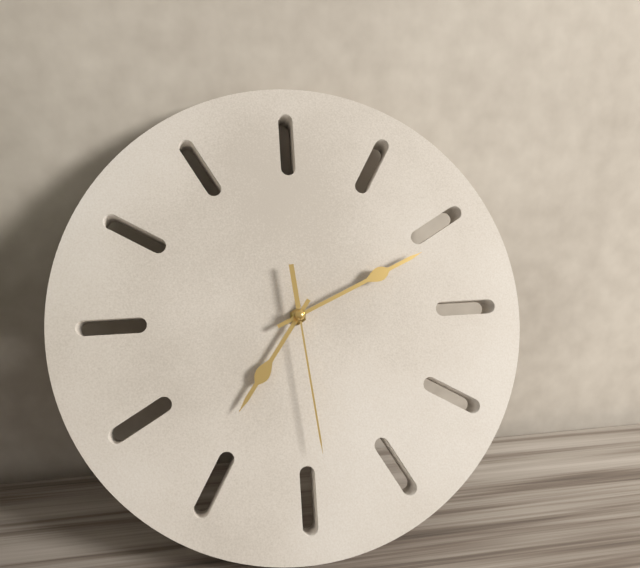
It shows h=7 m=11 s=29
